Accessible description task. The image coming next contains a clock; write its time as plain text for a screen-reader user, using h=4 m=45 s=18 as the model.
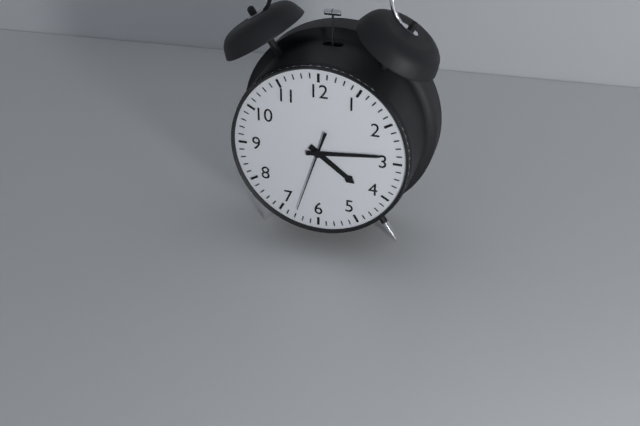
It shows h=4 m=14 s=33
